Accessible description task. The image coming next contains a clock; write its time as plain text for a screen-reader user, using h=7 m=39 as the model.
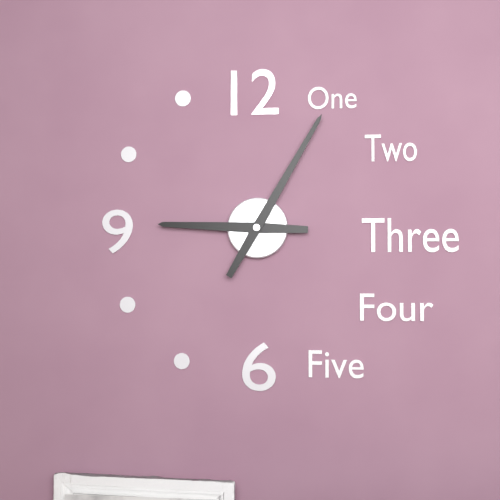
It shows h=9 m=5
